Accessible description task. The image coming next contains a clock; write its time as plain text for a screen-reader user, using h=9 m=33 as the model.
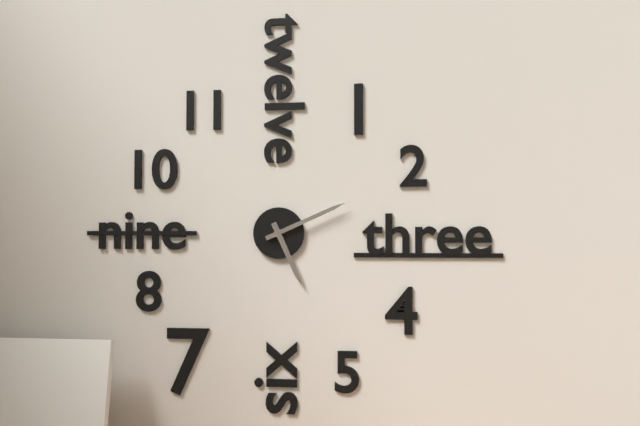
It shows h=5 m=11
